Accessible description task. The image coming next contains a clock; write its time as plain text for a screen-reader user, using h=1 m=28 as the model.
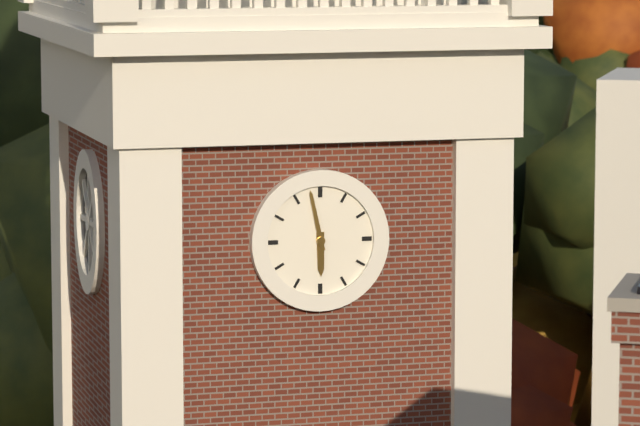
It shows h=5 m=58
